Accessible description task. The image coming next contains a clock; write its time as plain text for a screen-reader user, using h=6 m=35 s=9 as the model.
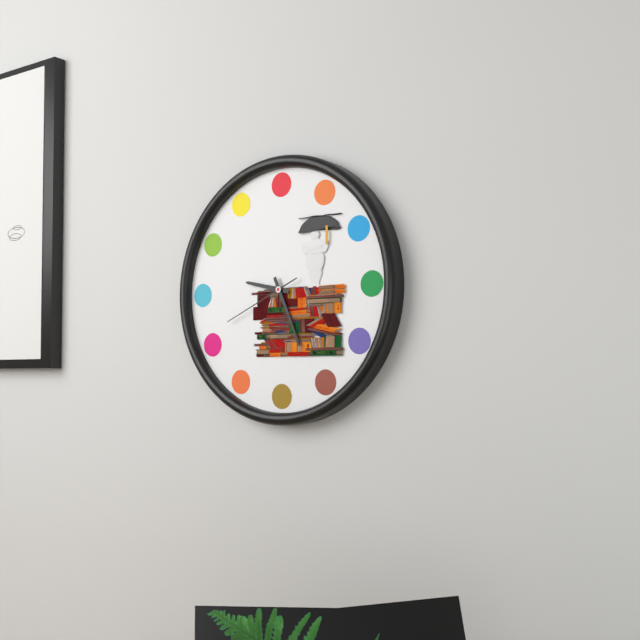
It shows h=9 m=26 s=41
